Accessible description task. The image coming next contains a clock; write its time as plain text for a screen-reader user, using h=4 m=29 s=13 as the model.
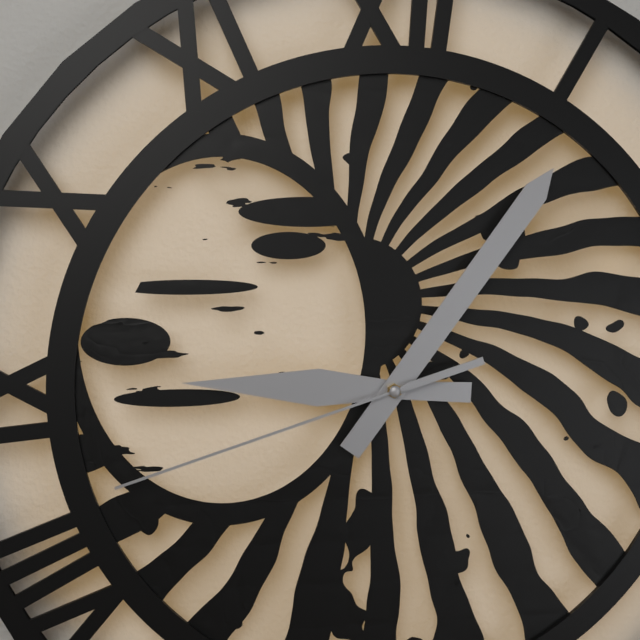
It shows h=9 m=6 s=42
